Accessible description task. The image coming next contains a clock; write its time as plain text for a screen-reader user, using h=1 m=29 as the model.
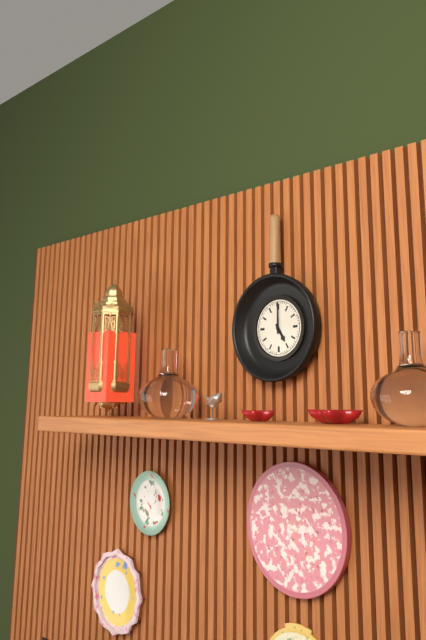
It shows h=5 m=0
